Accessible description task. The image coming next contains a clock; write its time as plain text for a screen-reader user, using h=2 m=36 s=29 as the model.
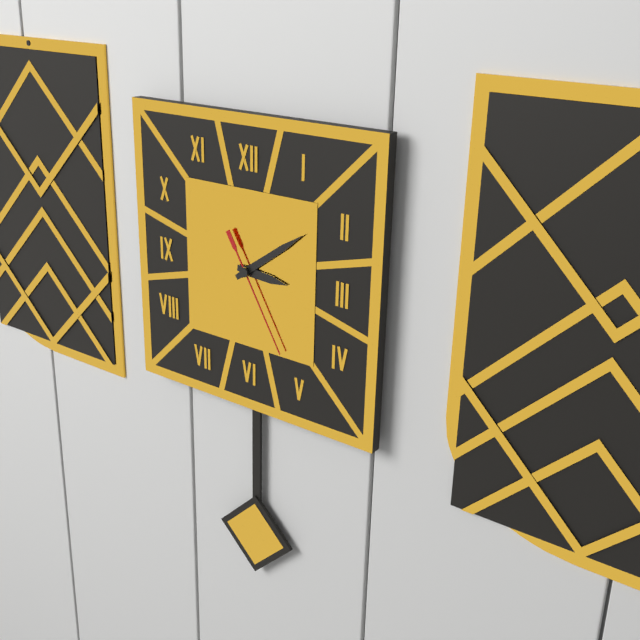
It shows h=3 m=9 s=25
